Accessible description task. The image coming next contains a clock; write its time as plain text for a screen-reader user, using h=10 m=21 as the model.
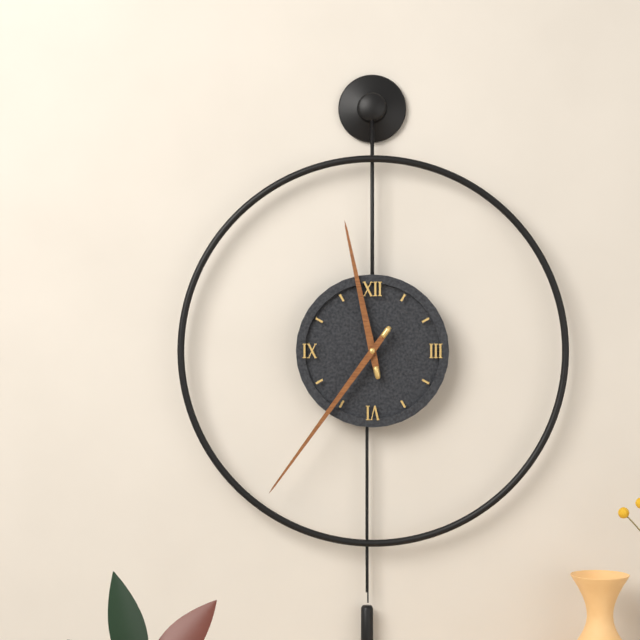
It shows h=11 m=36
